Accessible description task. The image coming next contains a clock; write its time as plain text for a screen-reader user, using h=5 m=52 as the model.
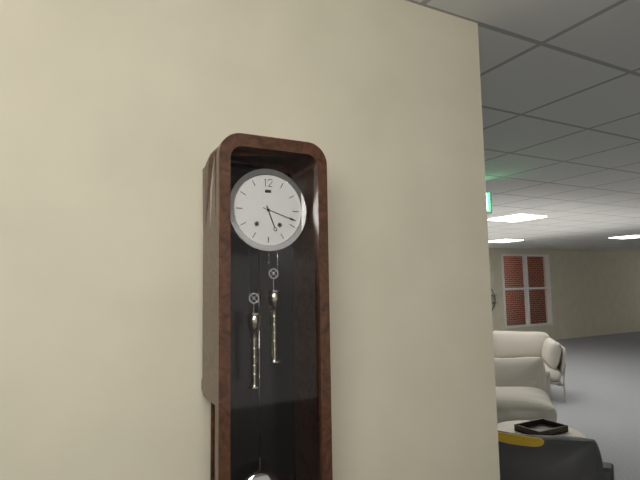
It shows h=5 m=18
